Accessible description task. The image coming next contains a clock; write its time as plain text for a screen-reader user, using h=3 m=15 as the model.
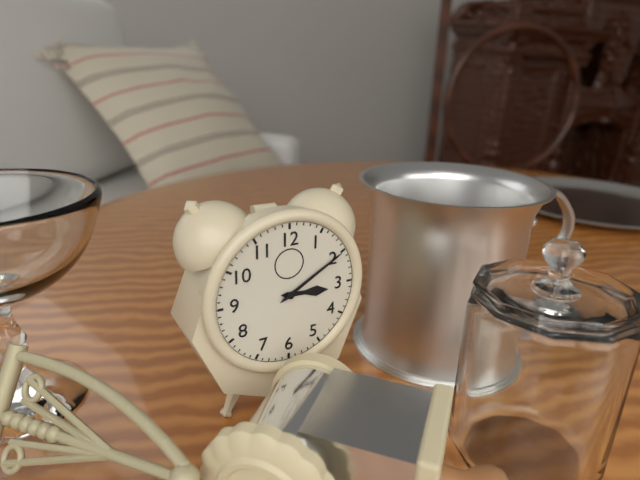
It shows h=3 m=10
